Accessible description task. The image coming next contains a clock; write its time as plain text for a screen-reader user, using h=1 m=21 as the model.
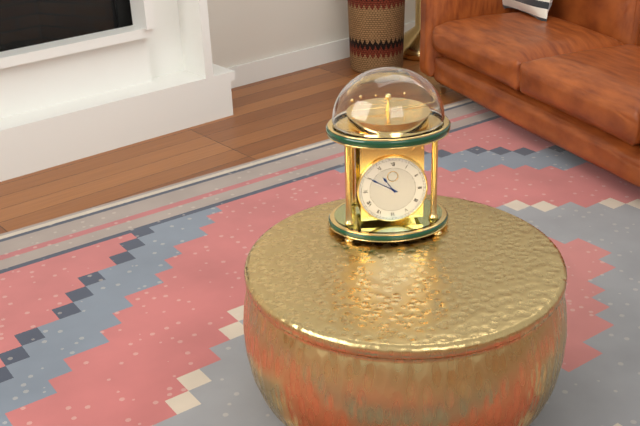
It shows h=10 m=50
